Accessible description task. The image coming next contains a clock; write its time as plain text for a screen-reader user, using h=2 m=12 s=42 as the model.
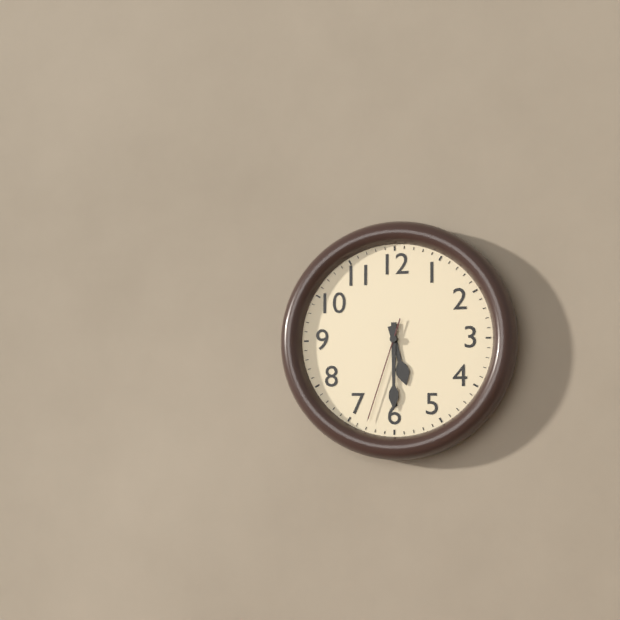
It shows h=5 m=30 s=33
